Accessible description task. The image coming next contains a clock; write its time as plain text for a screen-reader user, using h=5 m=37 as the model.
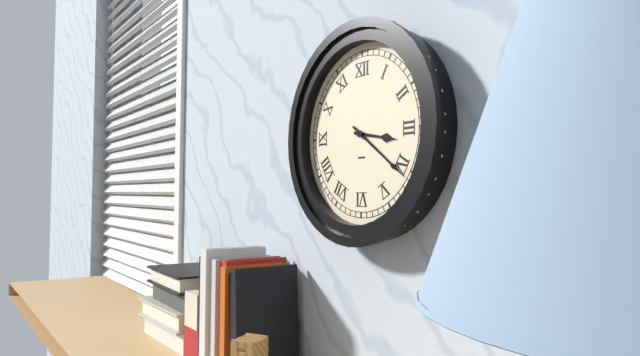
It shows h=3 m=21
